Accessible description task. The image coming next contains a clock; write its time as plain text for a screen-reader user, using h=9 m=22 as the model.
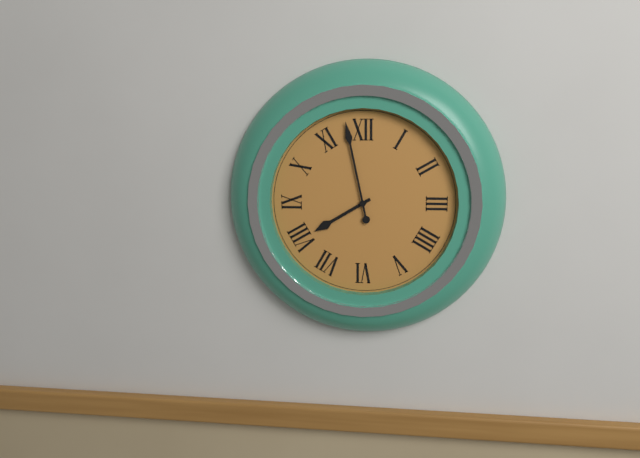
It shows h=7 m=58
